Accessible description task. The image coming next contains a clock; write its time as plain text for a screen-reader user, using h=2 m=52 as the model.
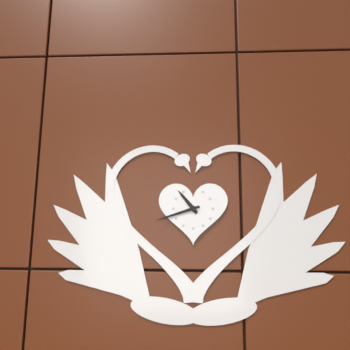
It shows h=10 m=42
